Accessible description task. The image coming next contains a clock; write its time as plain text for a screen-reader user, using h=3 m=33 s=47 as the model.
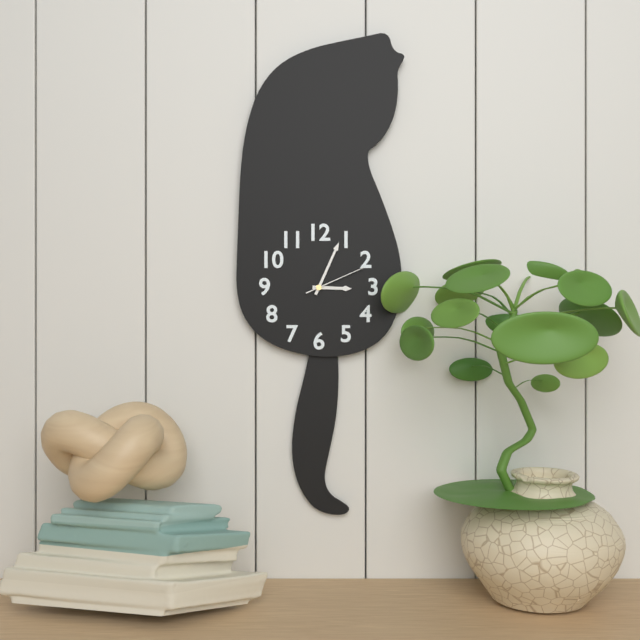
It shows h=3 m=4 s=11
